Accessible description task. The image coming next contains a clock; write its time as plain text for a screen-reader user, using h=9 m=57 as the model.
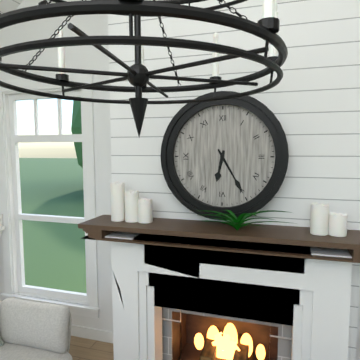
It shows h=6 m=25
